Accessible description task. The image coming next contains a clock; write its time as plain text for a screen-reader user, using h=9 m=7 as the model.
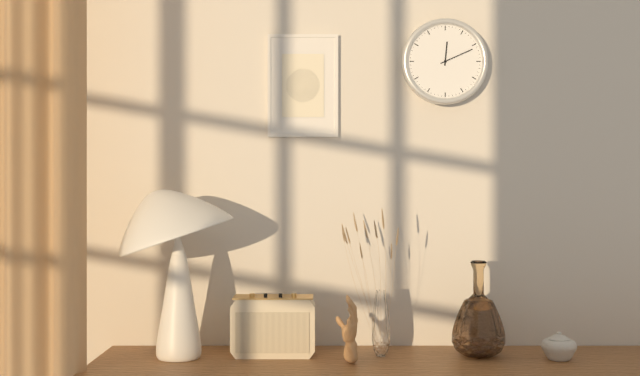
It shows h=12 m=11
